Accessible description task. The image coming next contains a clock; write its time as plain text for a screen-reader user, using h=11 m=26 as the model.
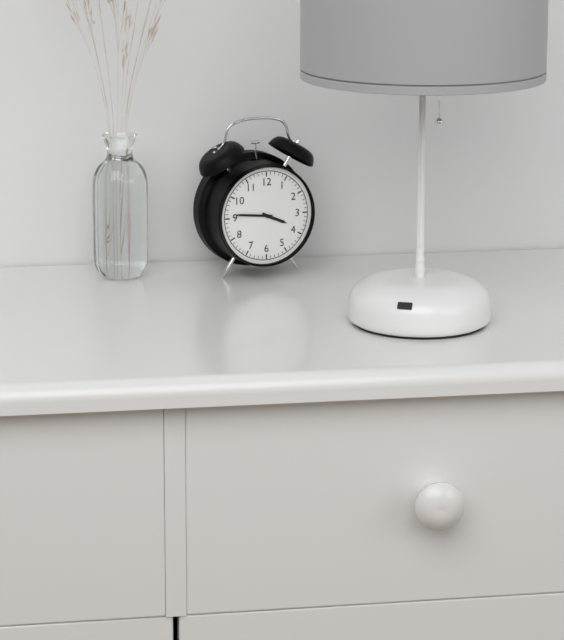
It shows h=3 m=46
